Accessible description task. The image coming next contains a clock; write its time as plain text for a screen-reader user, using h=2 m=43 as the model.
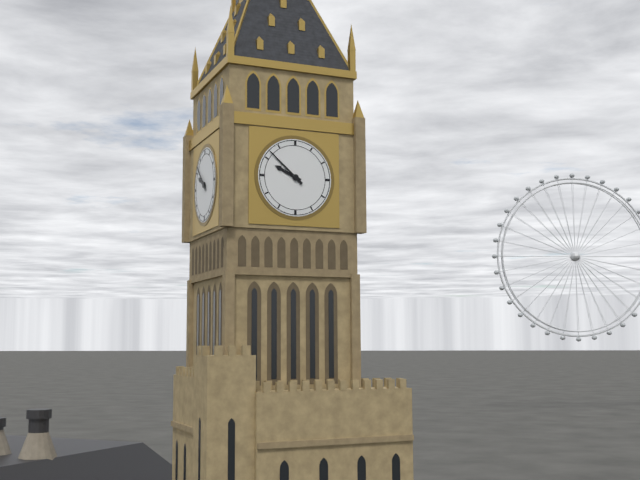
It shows h=9 m=52
